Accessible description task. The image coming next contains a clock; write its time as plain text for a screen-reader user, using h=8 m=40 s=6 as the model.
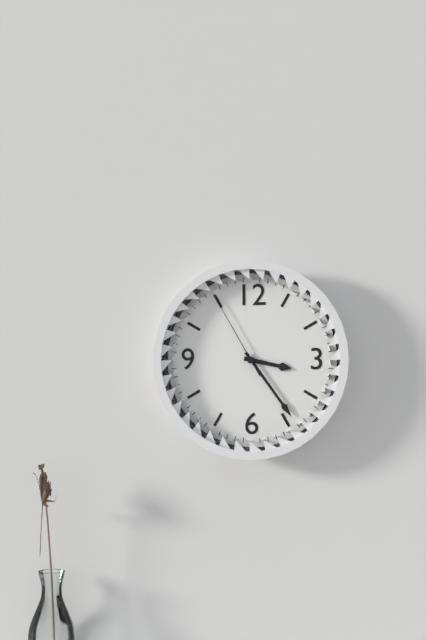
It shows h=3 m=24 s=55
